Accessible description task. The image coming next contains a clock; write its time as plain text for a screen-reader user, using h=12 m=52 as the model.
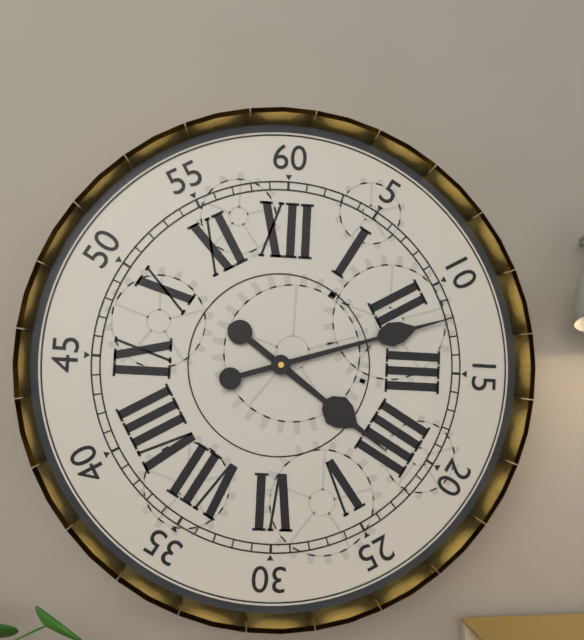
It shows h=4 m=12
